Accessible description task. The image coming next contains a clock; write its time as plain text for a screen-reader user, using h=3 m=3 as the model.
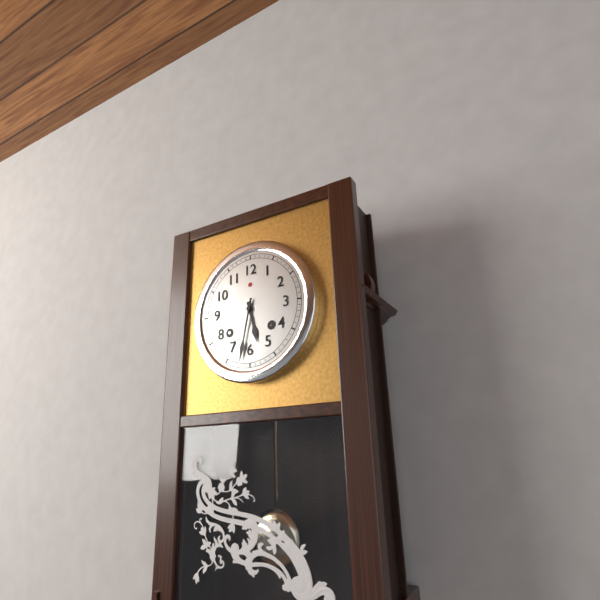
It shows h=5 m=32
